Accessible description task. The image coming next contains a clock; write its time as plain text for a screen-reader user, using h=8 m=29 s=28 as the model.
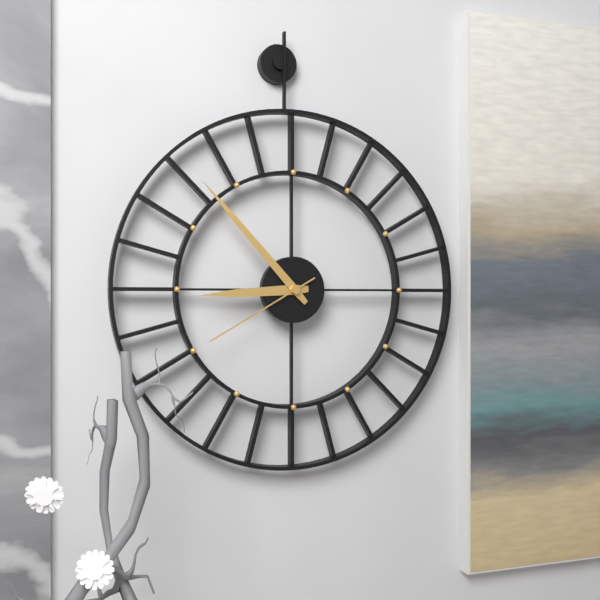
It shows h=8 m=53 s=40
